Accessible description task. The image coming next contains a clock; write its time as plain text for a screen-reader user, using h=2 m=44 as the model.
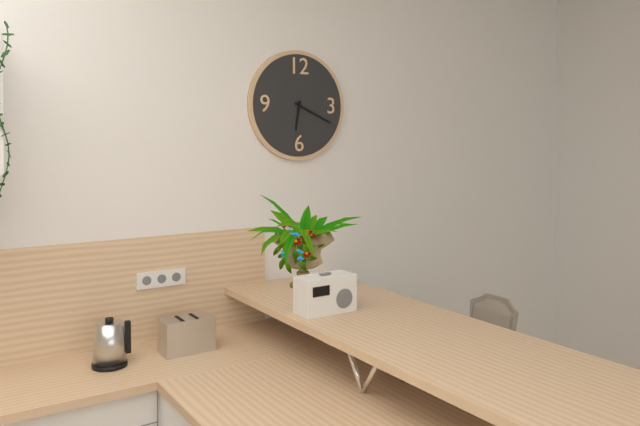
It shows h=6 m=19
